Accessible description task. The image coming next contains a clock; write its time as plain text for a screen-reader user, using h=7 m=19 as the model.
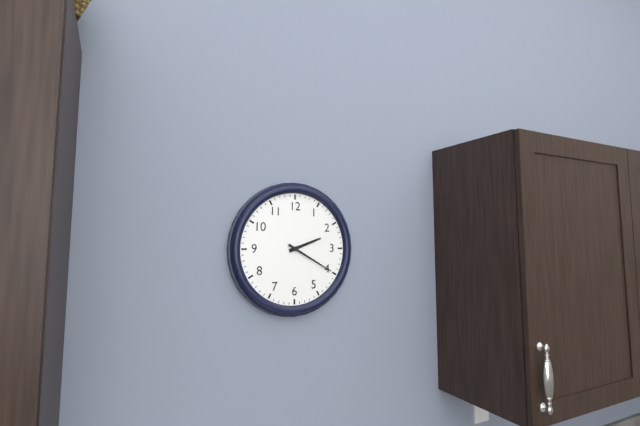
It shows h=2 m=20
